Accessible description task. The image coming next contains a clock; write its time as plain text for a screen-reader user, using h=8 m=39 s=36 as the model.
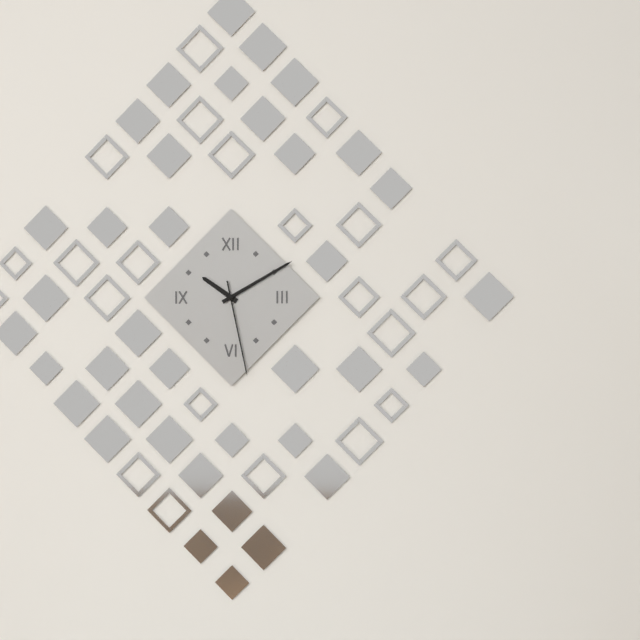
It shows h=10 m=10 s=28
